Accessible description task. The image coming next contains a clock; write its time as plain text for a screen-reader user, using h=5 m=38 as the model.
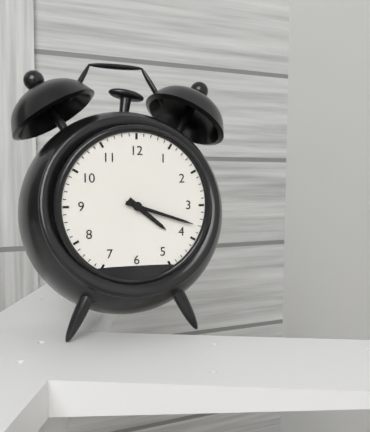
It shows h=4 m=18
